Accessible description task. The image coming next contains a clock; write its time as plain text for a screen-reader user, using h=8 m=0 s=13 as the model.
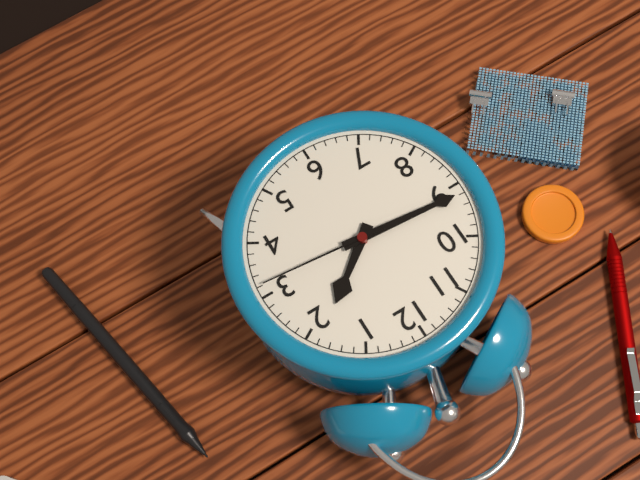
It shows h=1 m=46 s=16
